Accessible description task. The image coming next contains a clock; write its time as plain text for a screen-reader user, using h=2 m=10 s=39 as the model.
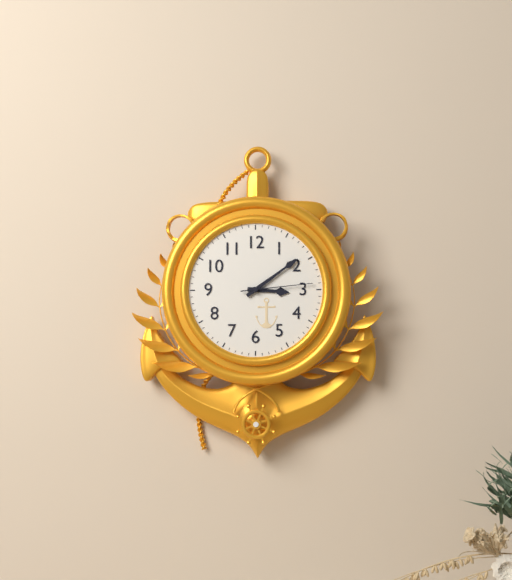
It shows h=3 m=9 s=14
